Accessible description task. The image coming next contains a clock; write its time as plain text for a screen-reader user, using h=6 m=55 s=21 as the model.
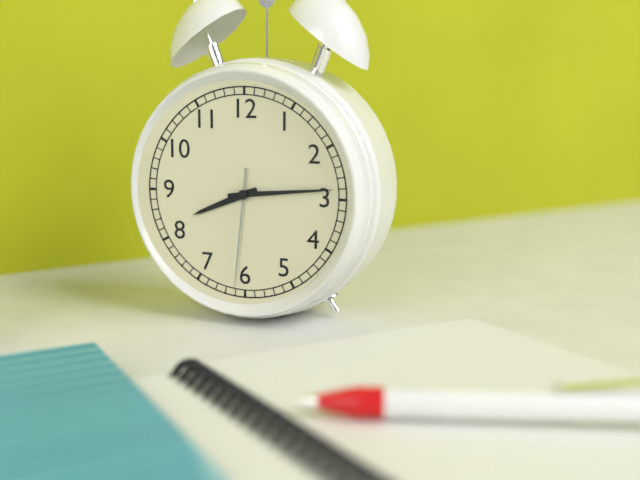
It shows h=8 m=14 s=31
